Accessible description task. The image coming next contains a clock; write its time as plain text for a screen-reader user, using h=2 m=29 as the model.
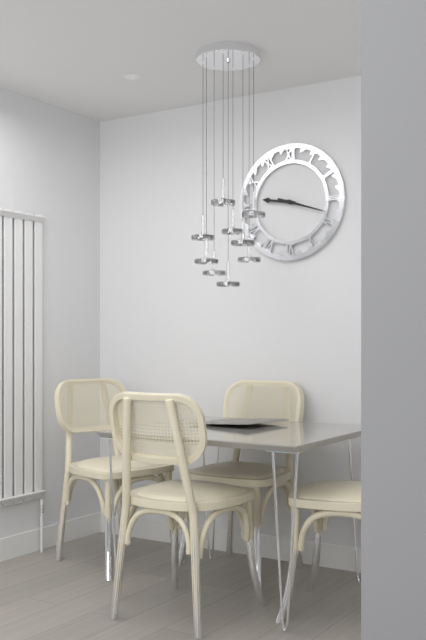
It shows h=9 m=18
